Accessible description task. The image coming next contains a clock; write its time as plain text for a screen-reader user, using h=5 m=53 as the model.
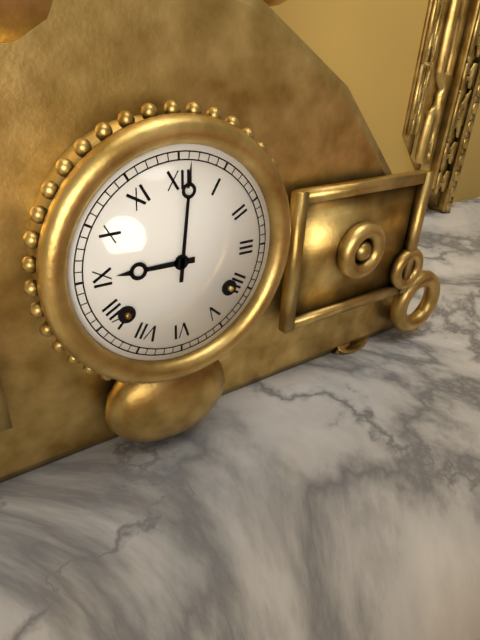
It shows h=9 m=1
